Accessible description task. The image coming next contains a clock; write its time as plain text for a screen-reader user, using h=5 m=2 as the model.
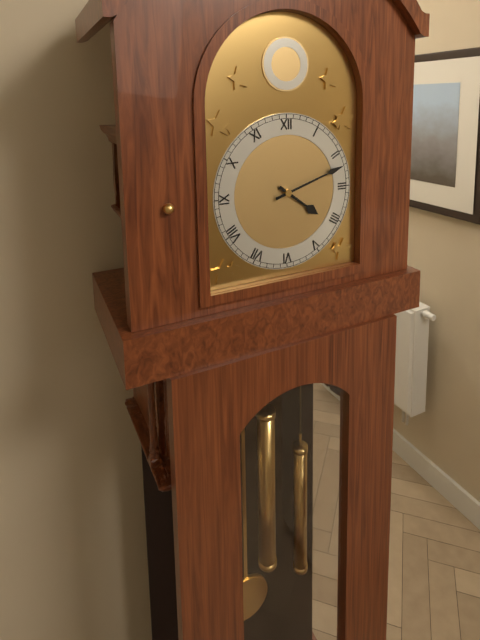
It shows h=4 m=12
